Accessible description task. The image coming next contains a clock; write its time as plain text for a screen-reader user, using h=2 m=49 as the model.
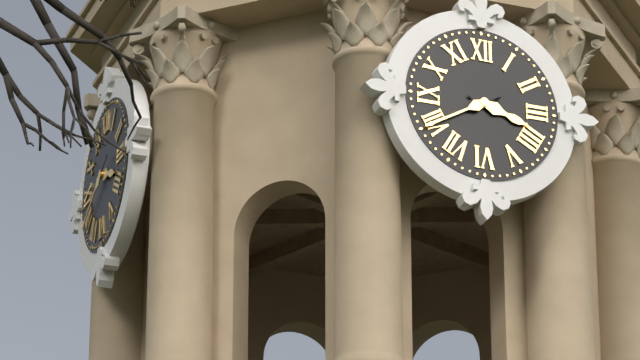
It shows h=3 m=40
